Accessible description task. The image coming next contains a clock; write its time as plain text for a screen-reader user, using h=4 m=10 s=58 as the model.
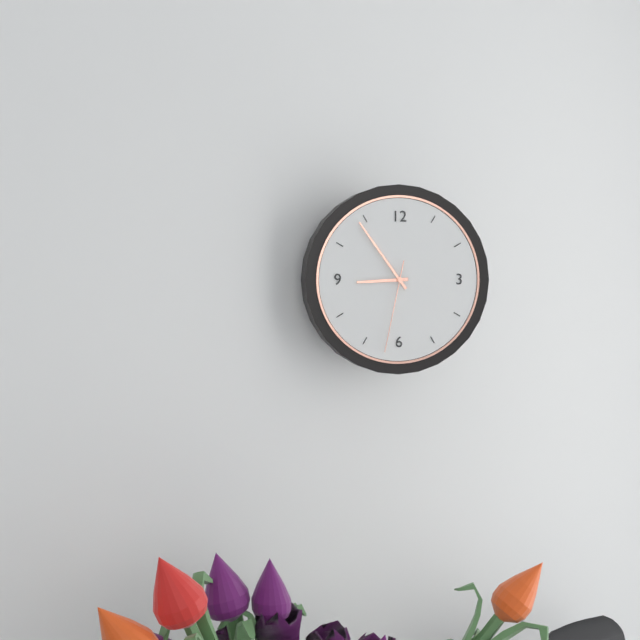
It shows h=8 m=54 s=32
